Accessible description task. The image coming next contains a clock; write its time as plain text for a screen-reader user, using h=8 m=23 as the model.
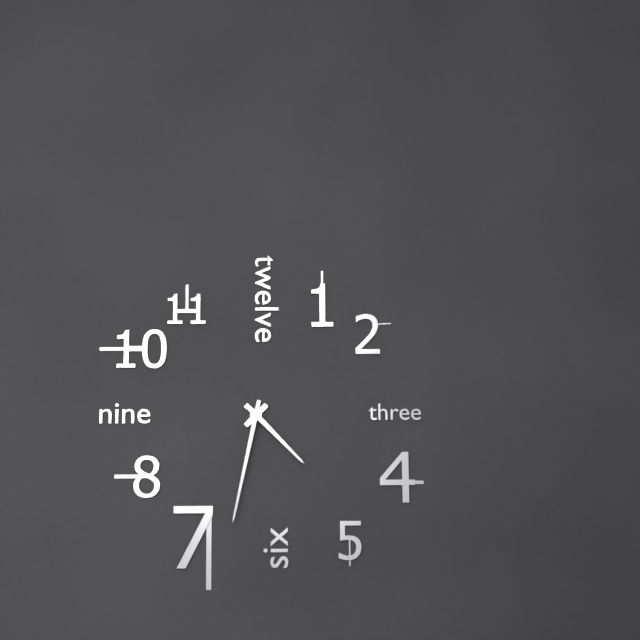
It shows h=4 m=32
